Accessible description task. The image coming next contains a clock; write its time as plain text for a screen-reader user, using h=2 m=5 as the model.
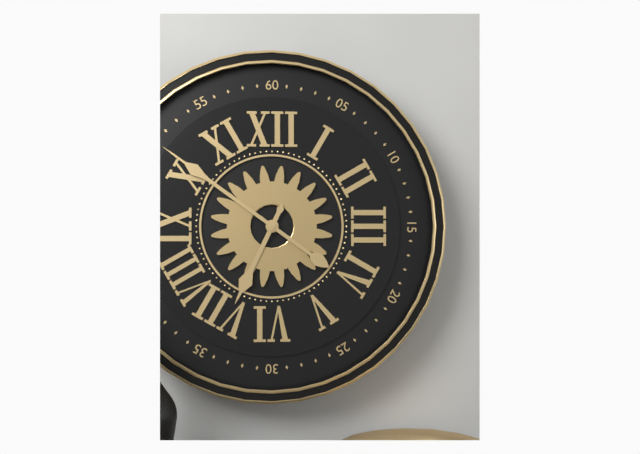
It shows h=6 m=51
